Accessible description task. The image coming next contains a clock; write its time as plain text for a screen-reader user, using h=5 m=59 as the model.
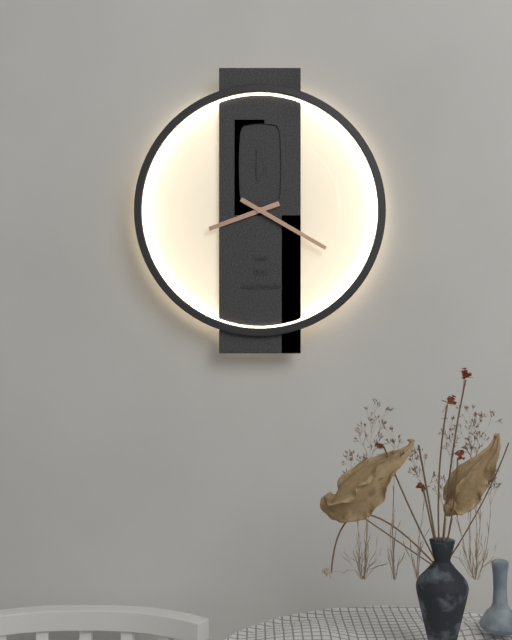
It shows h=8 m=20
